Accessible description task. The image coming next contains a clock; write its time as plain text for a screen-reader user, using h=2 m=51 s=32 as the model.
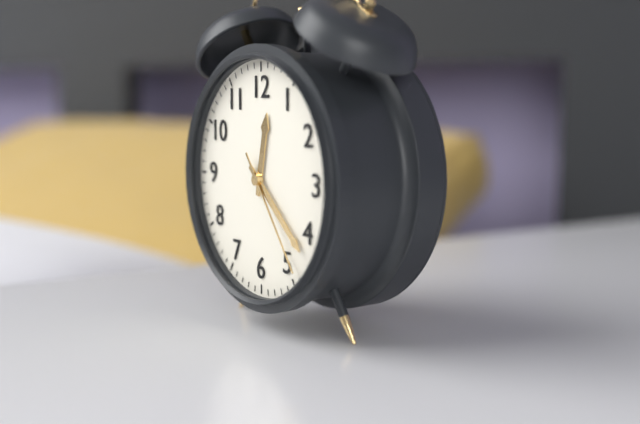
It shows h=12 m=22 s=24
